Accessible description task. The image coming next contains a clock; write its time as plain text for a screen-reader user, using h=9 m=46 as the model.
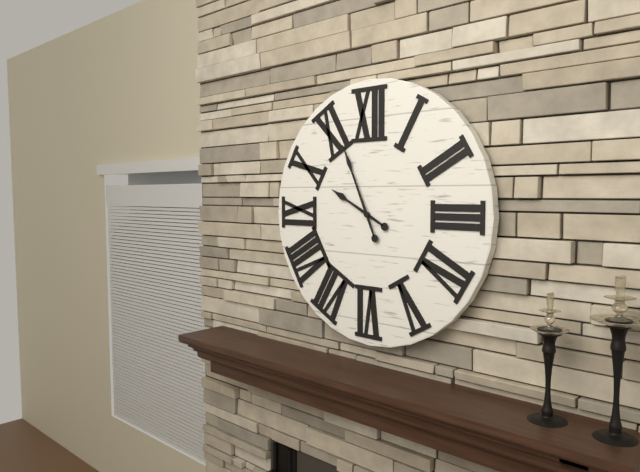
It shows h=9 m=56
